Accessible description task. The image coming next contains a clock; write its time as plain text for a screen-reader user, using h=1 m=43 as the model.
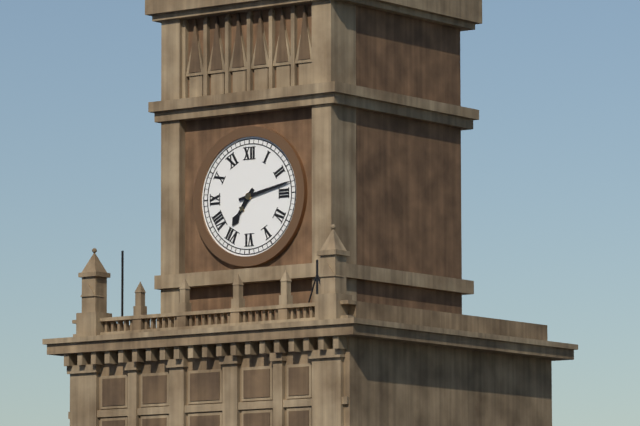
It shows h=7 m=13
